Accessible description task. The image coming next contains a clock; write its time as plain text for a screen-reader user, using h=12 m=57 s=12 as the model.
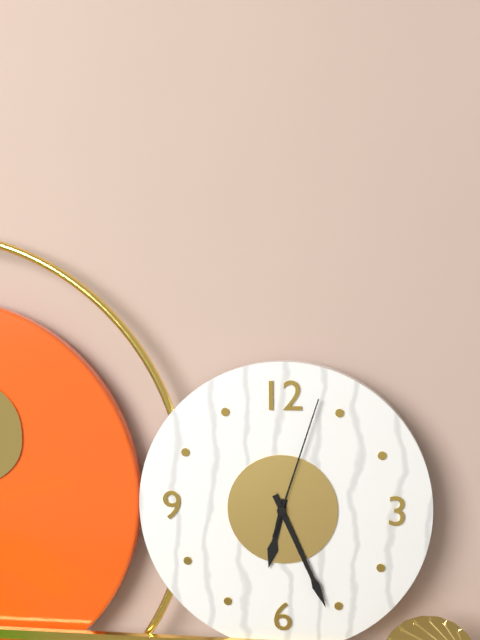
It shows h=6 m=26 s=3
